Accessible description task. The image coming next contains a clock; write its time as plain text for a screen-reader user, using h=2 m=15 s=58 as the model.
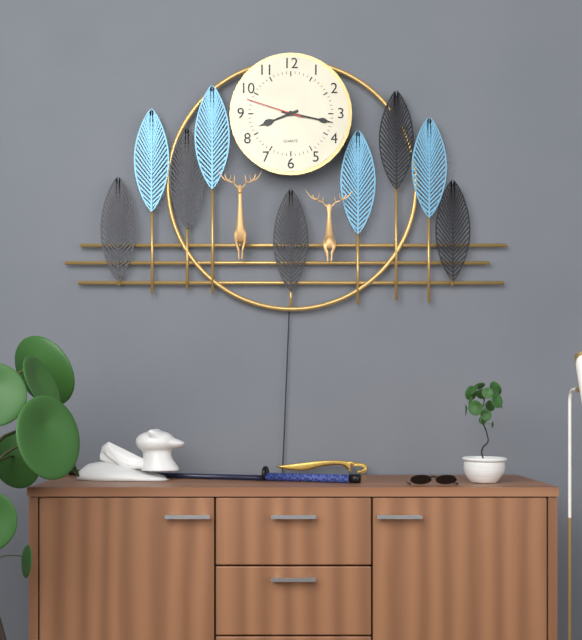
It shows h=8 m=17 s=48
